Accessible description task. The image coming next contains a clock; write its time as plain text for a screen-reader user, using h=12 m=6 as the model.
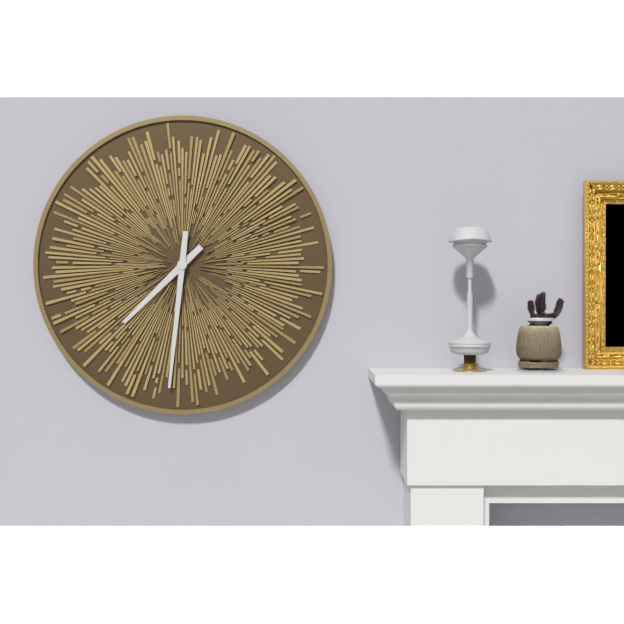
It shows h=7 m=31
